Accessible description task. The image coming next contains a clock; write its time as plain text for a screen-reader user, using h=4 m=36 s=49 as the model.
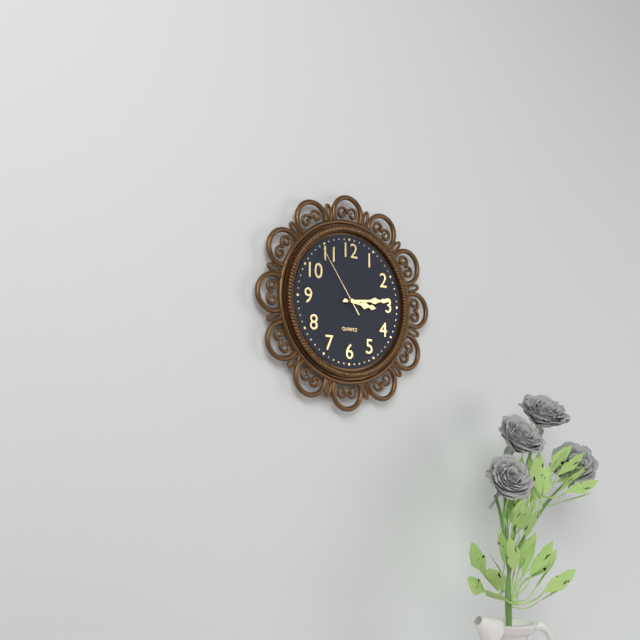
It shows h=3 m=14 s=54
